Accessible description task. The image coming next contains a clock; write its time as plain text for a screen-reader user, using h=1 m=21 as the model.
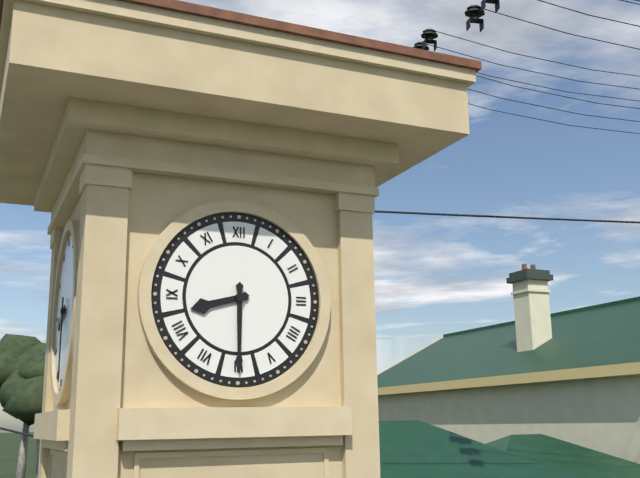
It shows h=8 m=30
